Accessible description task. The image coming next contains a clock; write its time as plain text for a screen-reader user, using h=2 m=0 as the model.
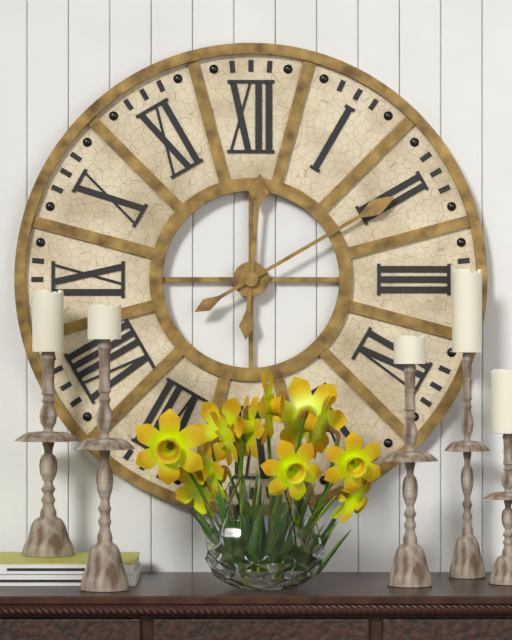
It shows h=12 m=10
